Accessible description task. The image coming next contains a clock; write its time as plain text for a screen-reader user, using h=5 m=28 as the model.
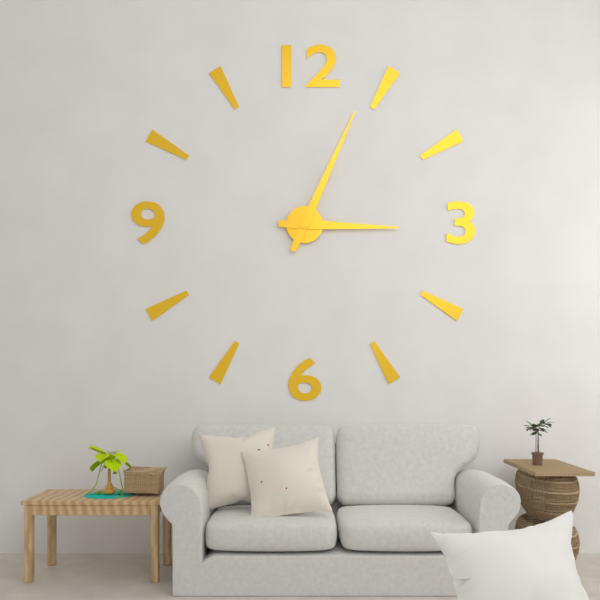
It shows h=3 m=4
